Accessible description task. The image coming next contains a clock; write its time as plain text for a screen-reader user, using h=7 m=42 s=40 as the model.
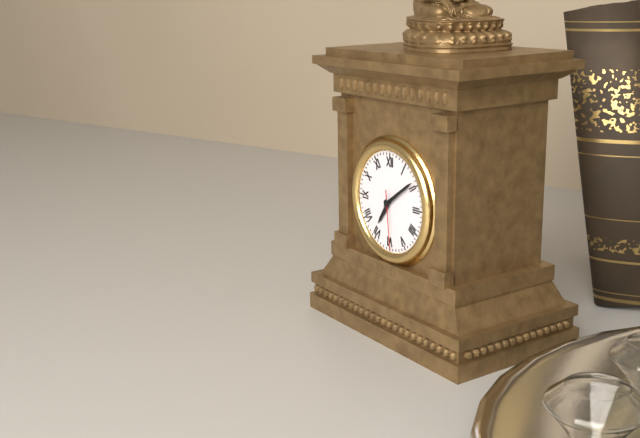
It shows h=7 m=9 s=29
